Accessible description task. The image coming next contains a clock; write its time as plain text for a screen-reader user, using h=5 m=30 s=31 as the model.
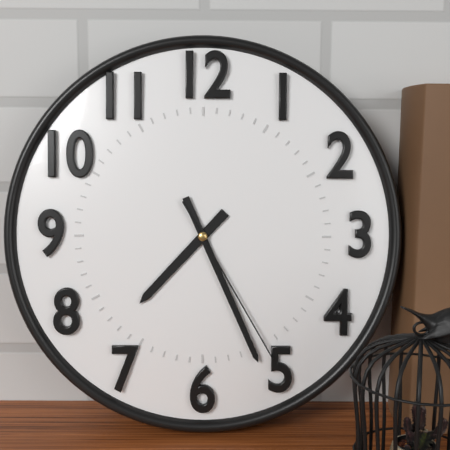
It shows h=7 m=26 s=25
